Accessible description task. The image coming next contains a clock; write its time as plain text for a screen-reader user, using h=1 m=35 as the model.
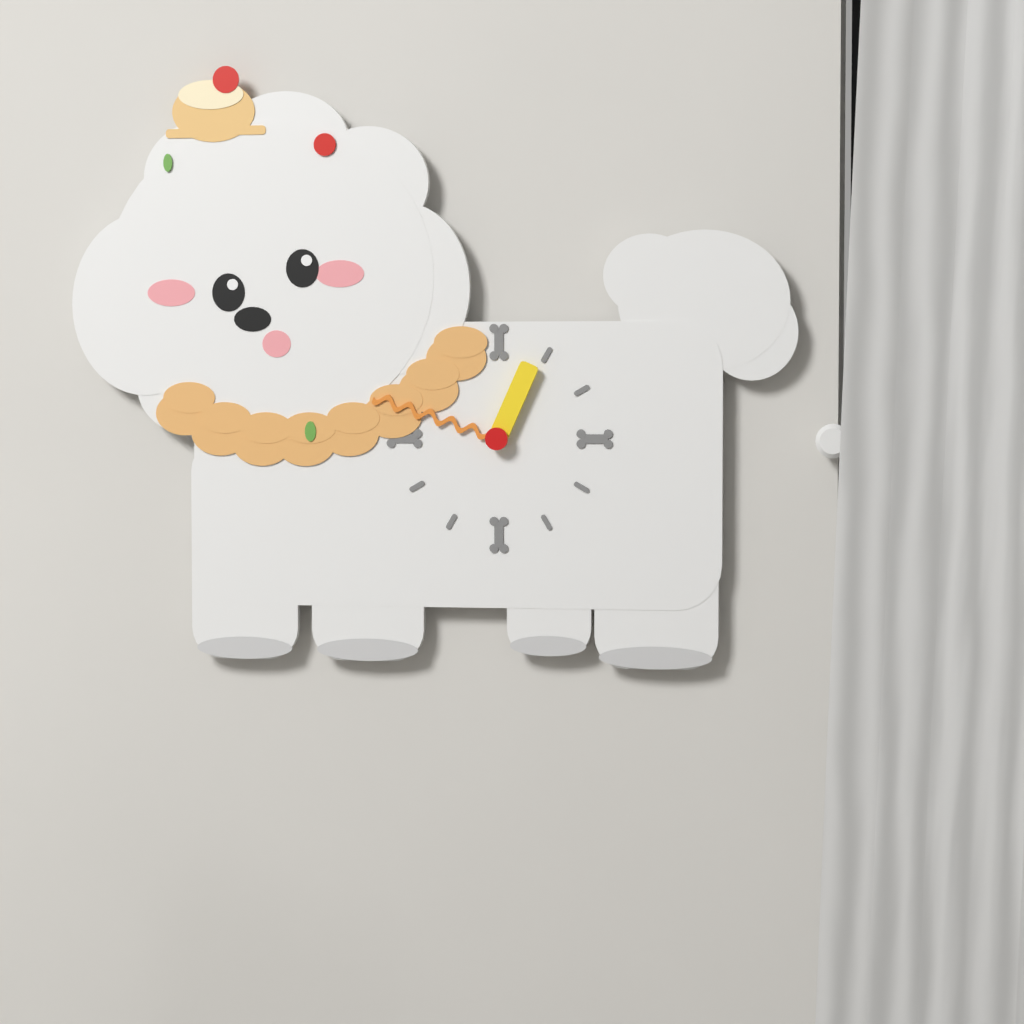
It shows h=12 m=48
